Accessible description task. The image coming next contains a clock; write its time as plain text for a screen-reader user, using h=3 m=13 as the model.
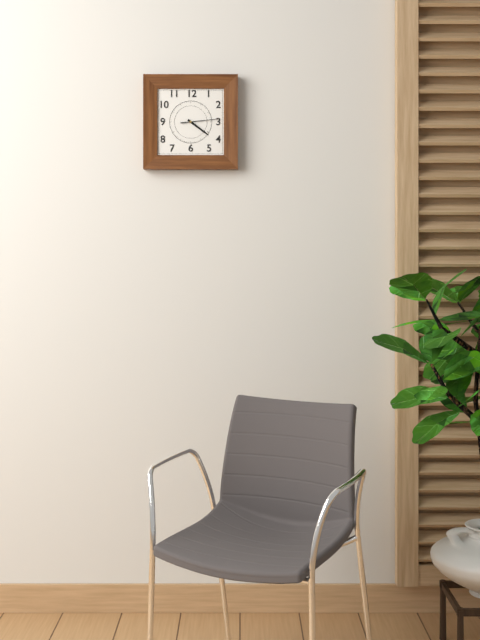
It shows h=4 m=14
